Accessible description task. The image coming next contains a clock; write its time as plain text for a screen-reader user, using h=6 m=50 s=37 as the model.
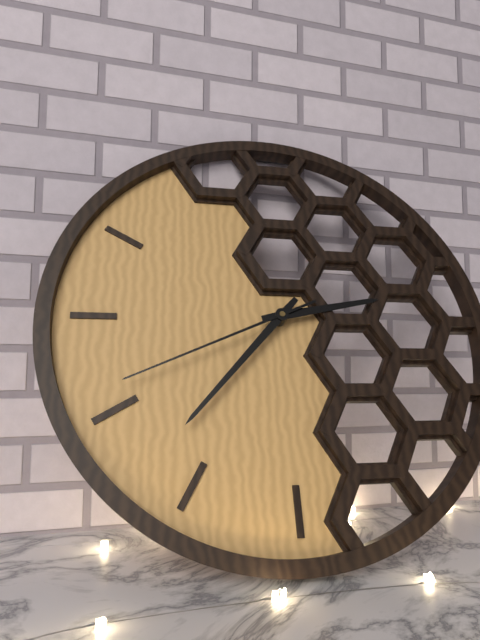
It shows h=2 m=37 s=41
